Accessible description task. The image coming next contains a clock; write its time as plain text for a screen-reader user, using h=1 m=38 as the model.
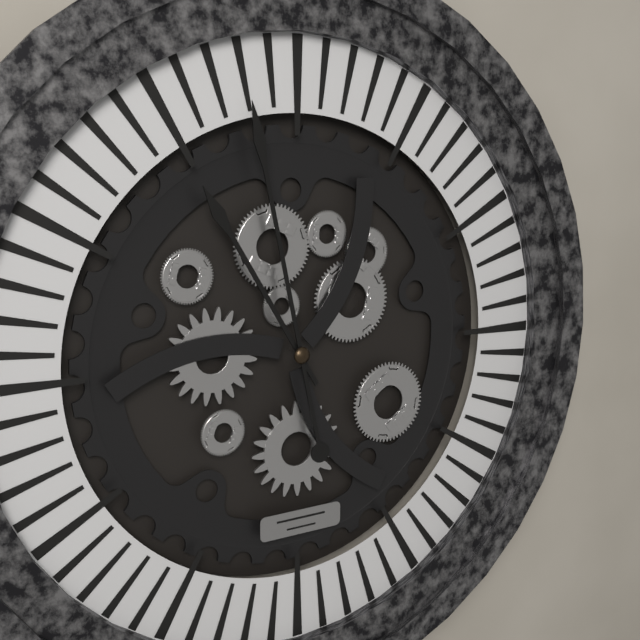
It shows h=10 m=58
